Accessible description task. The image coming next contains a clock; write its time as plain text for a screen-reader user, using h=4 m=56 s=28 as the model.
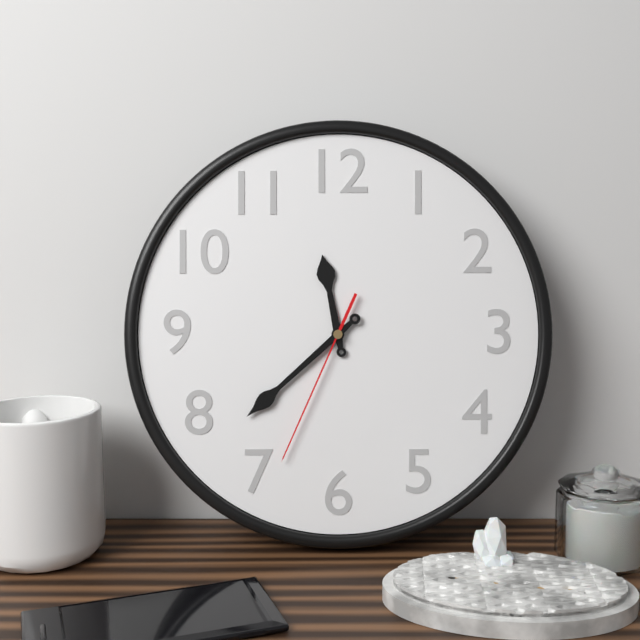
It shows h=11 m=38 s=34
